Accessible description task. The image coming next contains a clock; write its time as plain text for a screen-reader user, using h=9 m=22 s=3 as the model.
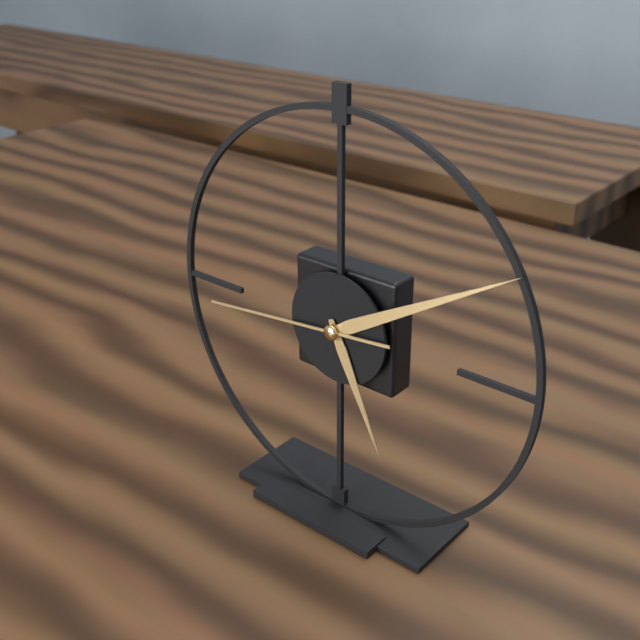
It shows h=5 m=10 s=44
